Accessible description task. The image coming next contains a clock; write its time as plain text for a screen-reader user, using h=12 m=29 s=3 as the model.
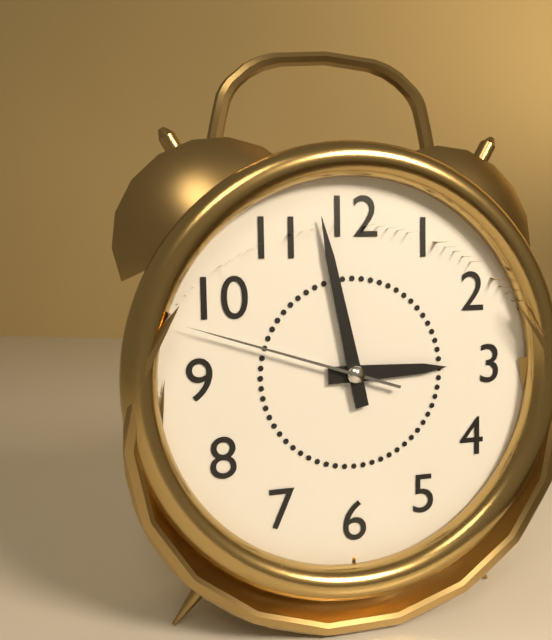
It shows h=2 m=58 s=48
